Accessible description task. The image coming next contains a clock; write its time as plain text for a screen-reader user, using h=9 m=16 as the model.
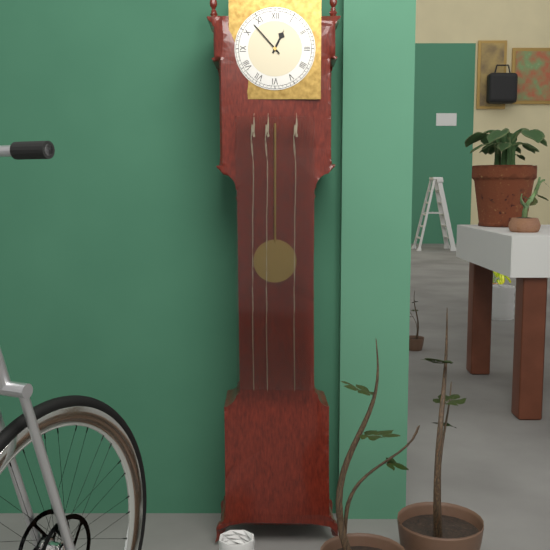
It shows h=12 m=53
